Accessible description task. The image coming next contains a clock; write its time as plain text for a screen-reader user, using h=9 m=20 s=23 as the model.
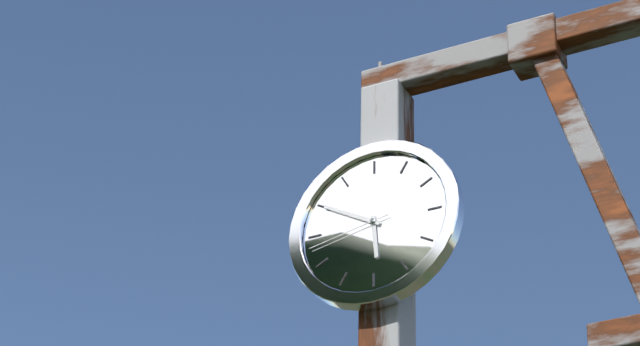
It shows h=5 m=50 s=43
